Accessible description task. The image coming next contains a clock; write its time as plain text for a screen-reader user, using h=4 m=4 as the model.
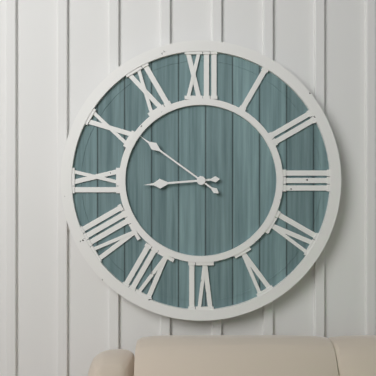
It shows h=8 m=51
